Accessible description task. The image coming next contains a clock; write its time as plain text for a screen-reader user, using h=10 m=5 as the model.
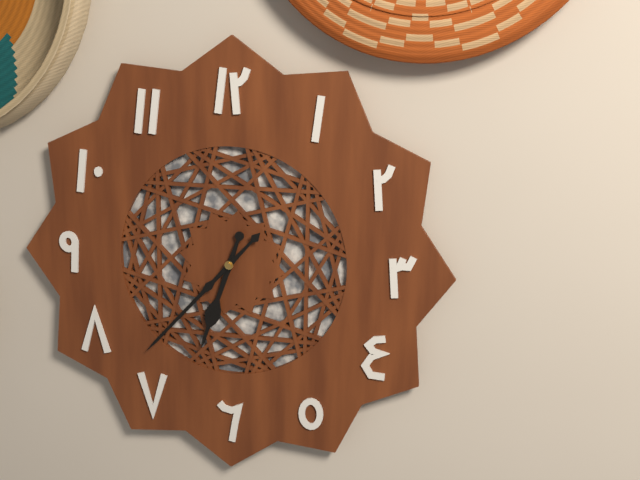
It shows h=6 m=37
